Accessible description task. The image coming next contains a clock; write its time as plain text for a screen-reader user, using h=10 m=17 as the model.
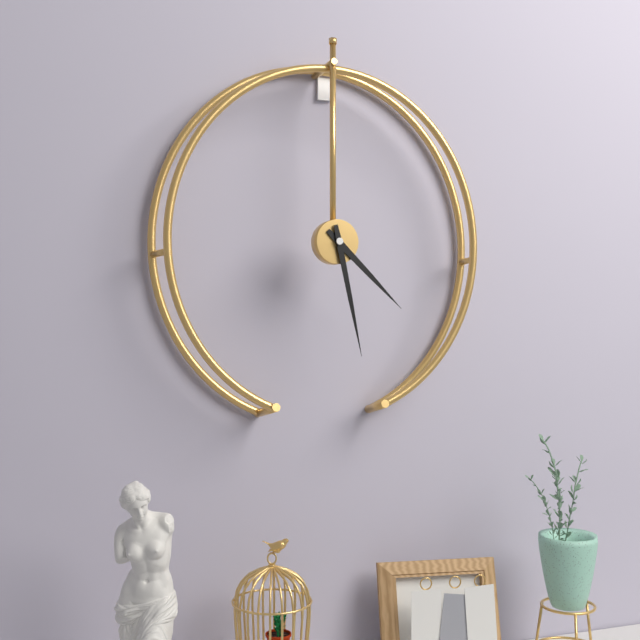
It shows h=4 m=28
